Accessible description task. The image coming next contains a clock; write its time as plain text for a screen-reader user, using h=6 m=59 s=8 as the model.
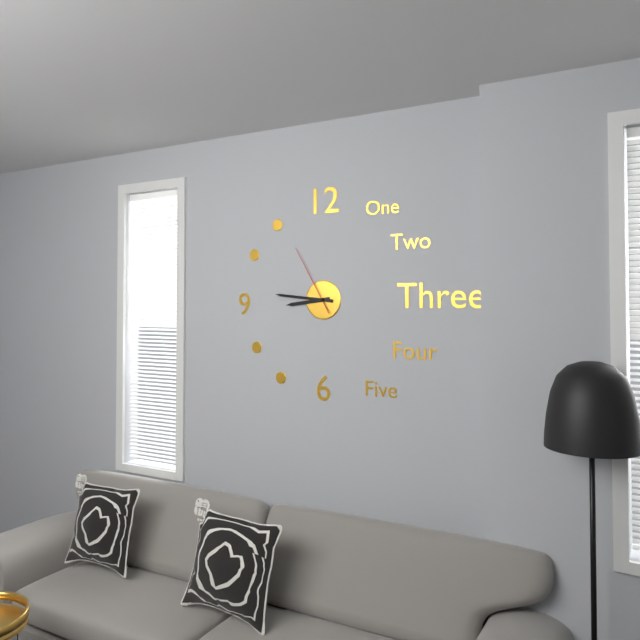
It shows h=8 m=46 s=55
